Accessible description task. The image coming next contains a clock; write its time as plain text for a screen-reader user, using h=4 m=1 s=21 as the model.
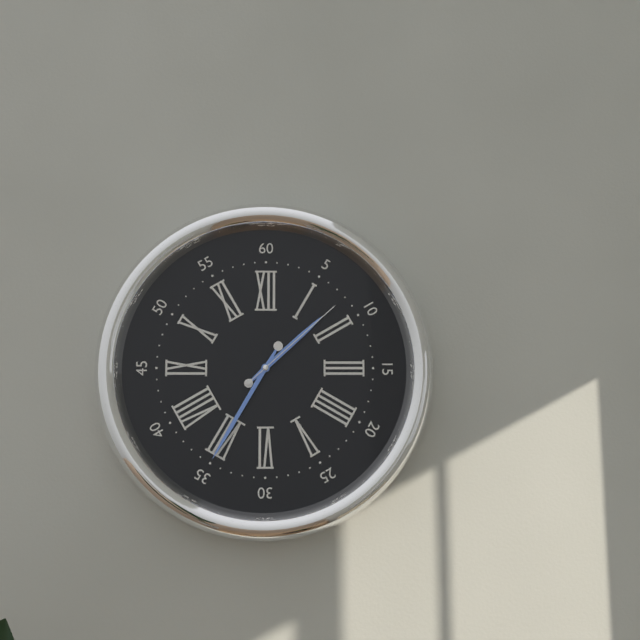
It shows h=1 m=35 s=8
